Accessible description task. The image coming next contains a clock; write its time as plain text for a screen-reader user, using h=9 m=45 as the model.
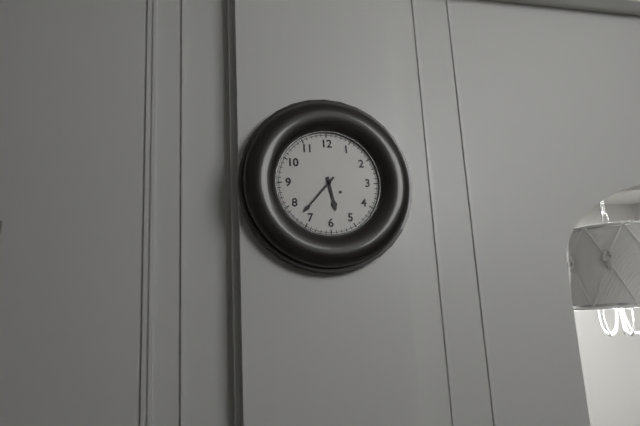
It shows h=5 m=37
